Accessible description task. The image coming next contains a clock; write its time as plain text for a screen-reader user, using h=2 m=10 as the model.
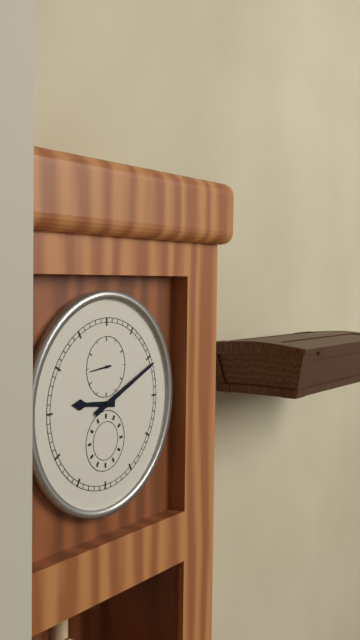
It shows h=9 m=11
